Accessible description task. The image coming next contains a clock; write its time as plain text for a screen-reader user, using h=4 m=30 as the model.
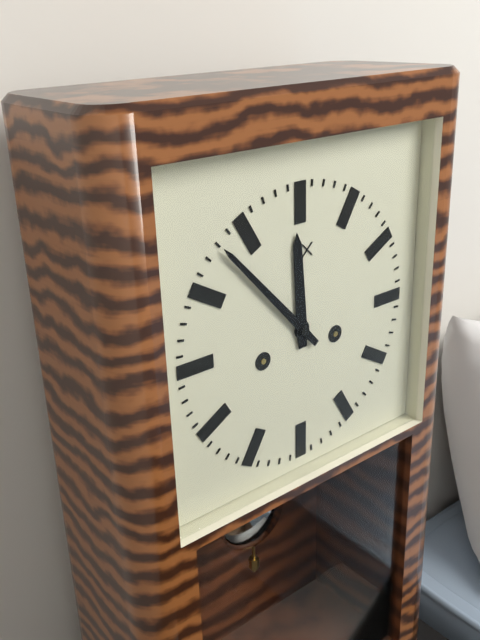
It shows h=11 m=53
